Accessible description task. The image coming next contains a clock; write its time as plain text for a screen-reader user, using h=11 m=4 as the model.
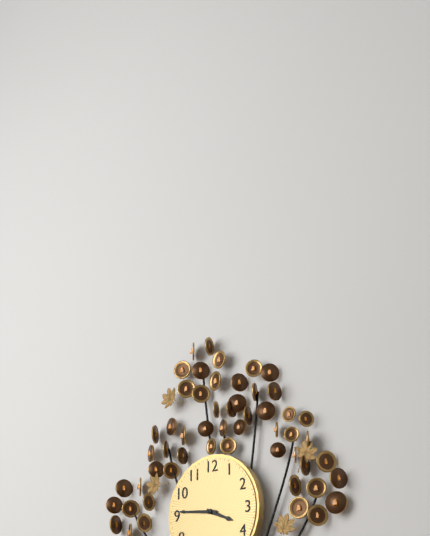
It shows h=3 m=46
